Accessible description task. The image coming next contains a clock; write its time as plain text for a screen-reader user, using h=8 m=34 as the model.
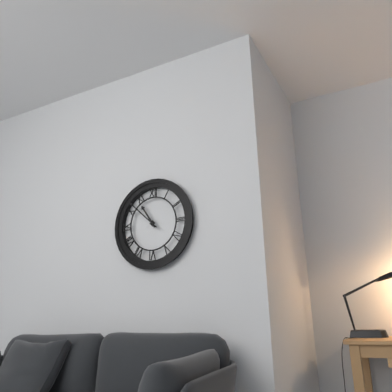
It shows h=10 m=52
